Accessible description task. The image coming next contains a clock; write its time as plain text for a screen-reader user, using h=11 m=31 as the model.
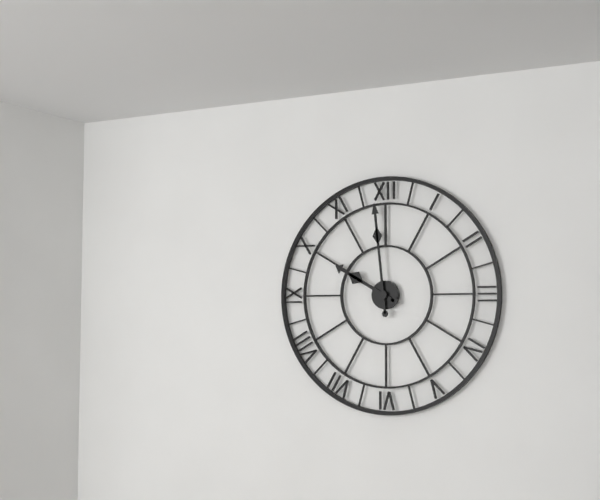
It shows h=9 m=59
